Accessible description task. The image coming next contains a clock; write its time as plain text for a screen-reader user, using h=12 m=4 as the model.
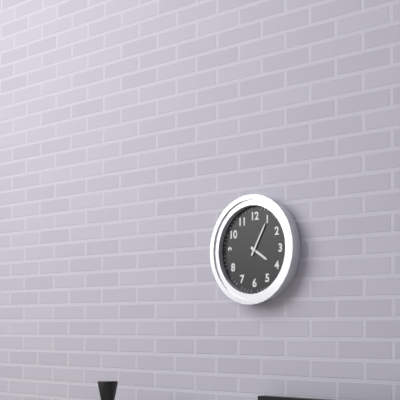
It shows h=4 m=5
